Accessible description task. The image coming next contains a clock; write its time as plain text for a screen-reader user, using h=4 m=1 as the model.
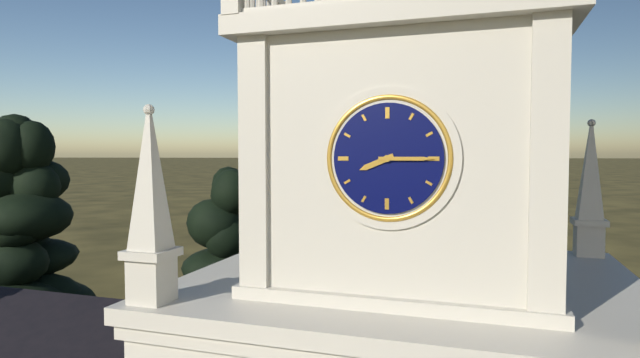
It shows h=8 m=15
